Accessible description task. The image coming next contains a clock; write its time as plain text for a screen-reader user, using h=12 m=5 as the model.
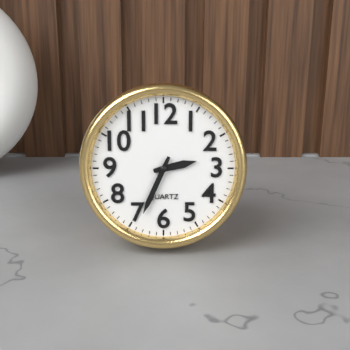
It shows h=2 m=34
